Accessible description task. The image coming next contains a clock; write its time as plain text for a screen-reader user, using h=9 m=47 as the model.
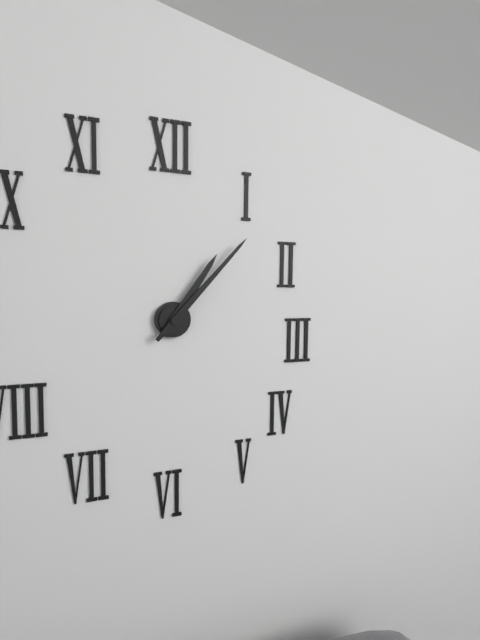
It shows h=1 m=7
